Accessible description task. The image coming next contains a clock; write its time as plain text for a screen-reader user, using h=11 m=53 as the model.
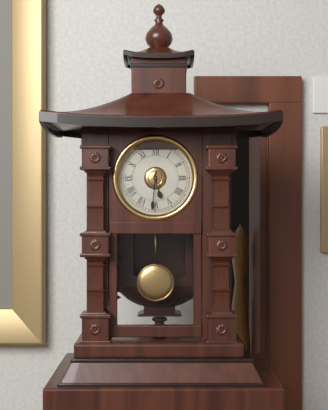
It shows h=5 m=31
